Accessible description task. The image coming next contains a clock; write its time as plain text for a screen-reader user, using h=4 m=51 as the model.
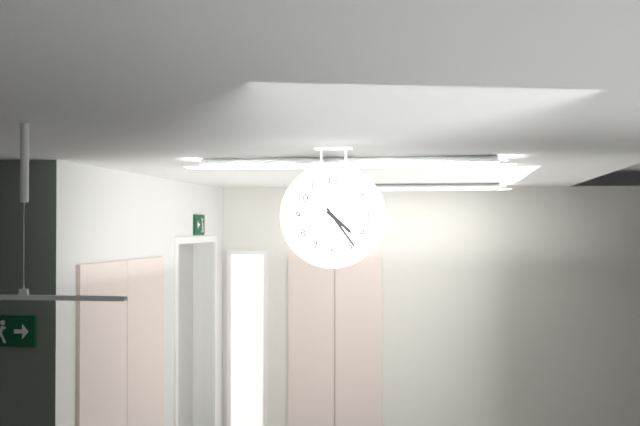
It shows h=4 m=24
